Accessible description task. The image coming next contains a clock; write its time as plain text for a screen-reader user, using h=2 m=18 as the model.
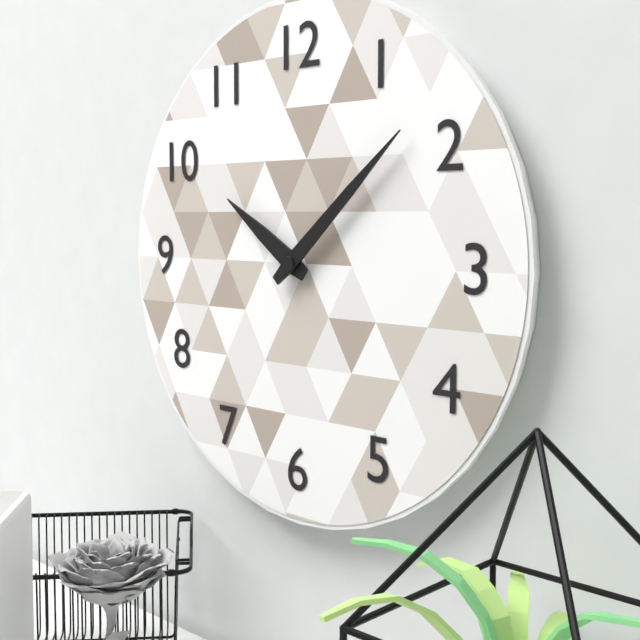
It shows h=10 m=8
